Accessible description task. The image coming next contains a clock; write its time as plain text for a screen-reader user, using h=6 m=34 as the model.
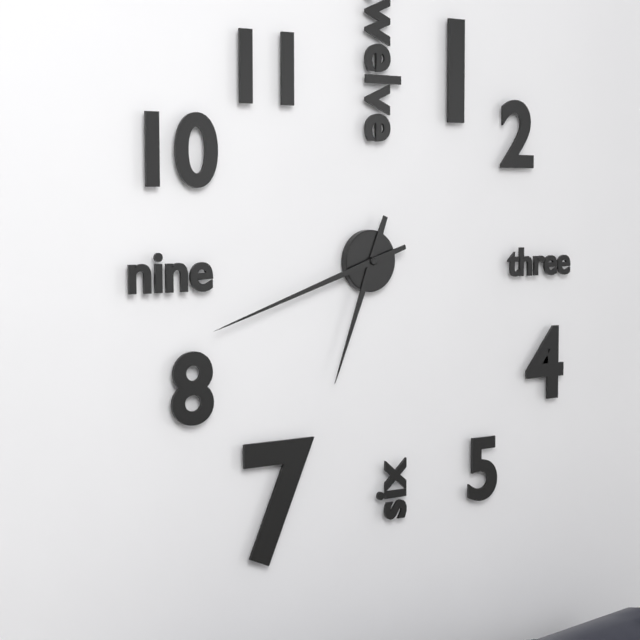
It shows h=6 m=42
